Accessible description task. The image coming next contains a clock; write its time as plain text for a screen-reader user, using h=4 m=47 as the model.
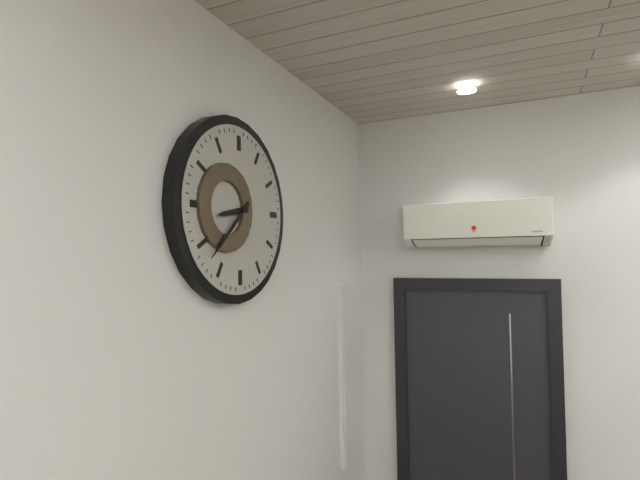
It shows h=8 m=38
